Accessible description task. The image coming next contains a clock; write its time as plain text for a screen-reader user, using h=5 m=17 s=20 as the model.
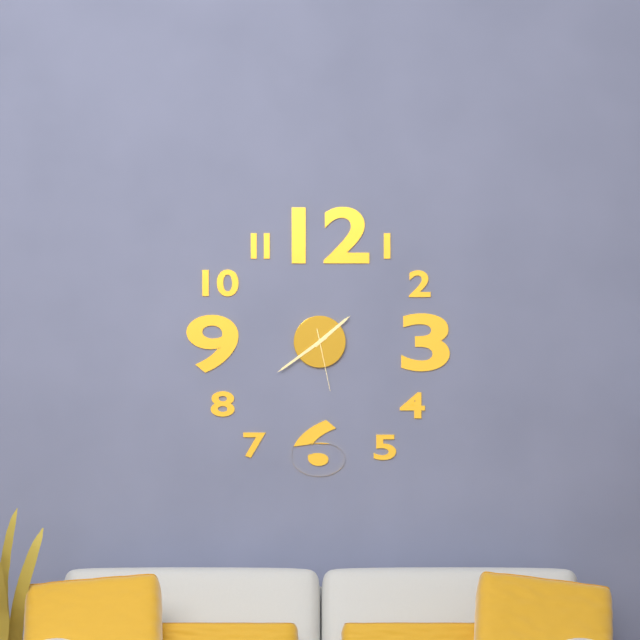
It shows h=1 m=39 s=28
